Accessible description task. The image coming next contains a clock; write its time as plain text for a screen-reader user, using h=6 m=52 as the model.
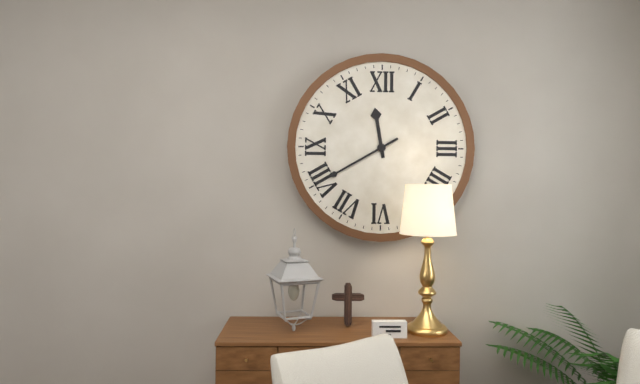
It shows h=11 m=40
